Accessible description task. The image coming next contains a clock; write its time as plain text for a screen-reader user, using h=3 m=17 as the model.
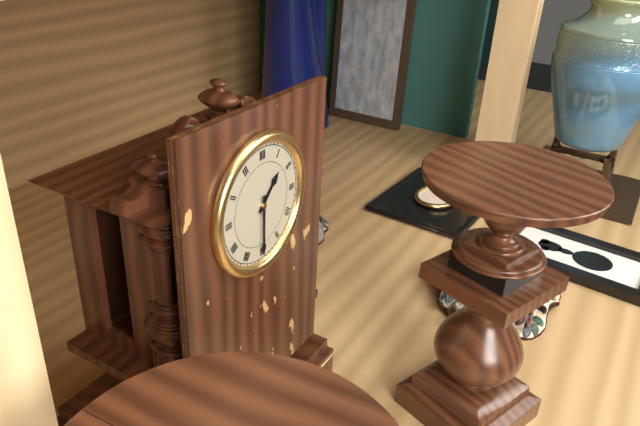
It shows h=1 m=30
